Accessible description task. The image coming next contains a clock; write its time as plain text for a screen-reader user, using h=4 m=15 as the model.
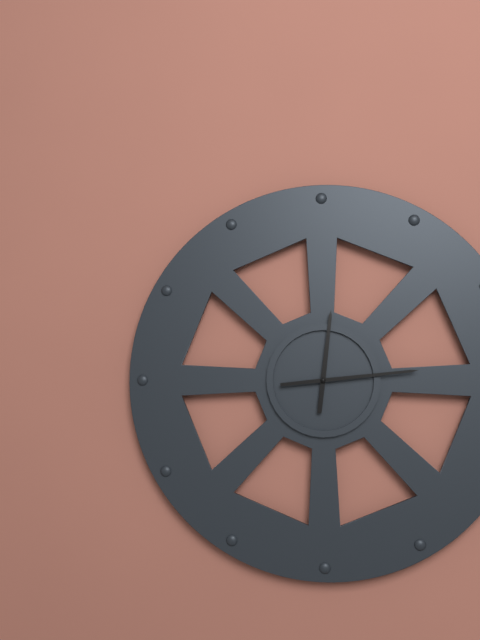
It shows h=12 m=14
